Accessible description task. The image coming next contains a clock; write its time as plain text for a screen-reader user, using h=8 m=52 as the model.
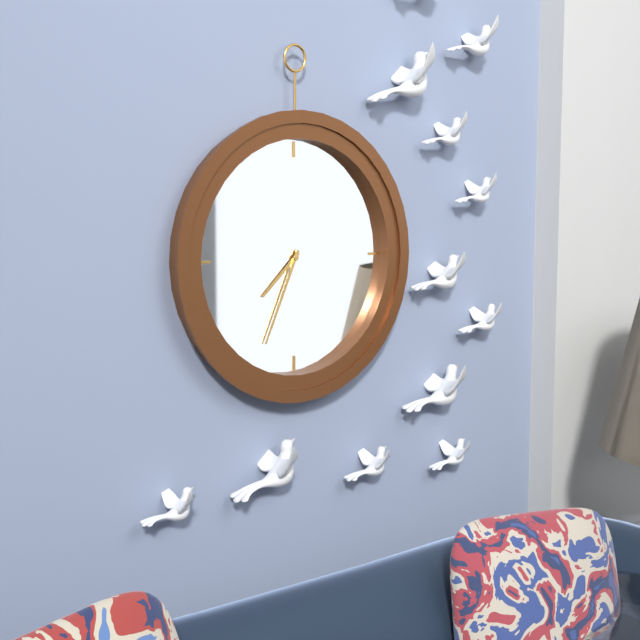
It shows h=7 m=34
